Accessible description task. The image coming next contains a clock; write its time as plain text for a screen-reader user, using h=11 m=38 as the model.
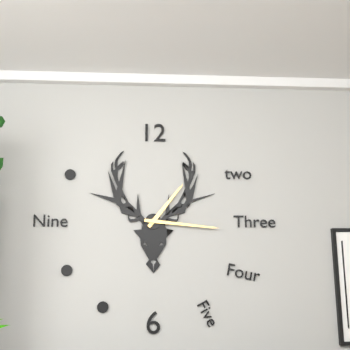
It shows h=1 m=16
